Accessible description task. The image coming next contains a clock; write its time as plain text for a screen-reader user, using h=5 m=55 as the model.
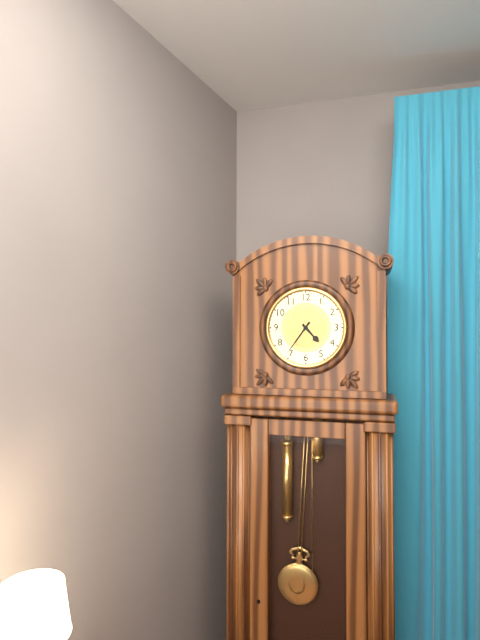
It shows h=4 m=36
